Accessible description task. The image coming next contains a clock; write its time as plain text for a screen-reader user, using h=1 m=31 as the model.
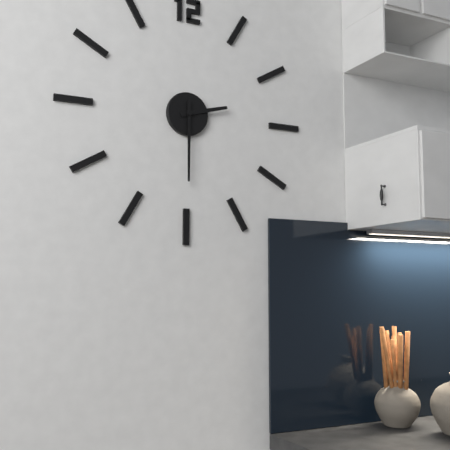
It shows h=2 m=30
